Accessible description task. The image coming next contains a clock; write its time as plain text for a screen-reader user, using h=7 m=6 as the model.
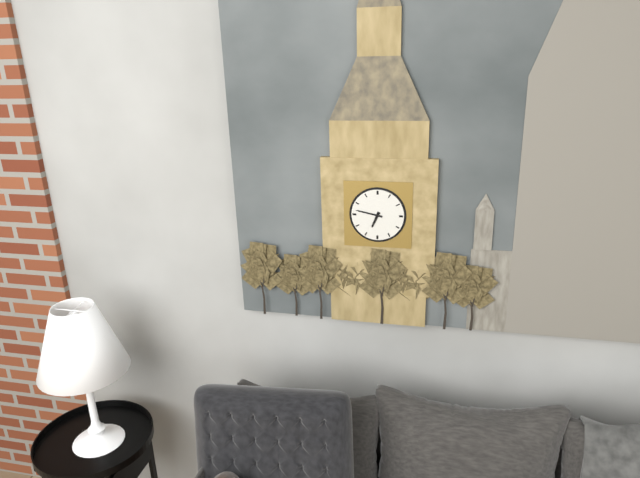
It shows h=6 m=47
